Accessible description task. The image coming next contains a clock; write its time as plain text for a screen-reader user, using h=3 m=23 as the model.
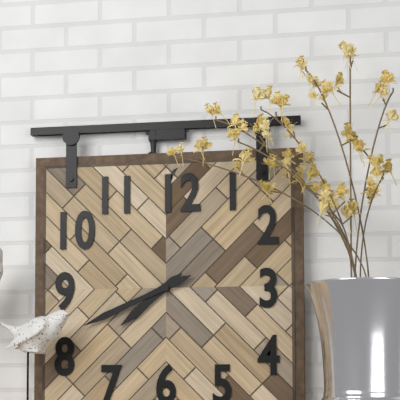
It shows h=7 m=41
